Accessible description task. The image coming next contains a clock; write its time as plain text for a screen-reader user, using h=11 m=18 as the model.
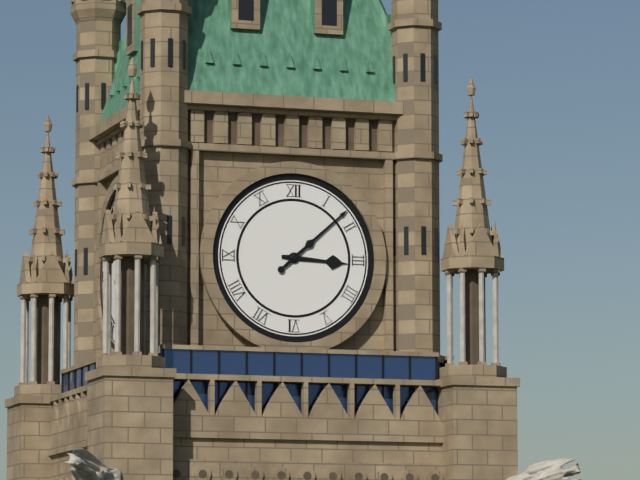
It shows h=3 m=8
